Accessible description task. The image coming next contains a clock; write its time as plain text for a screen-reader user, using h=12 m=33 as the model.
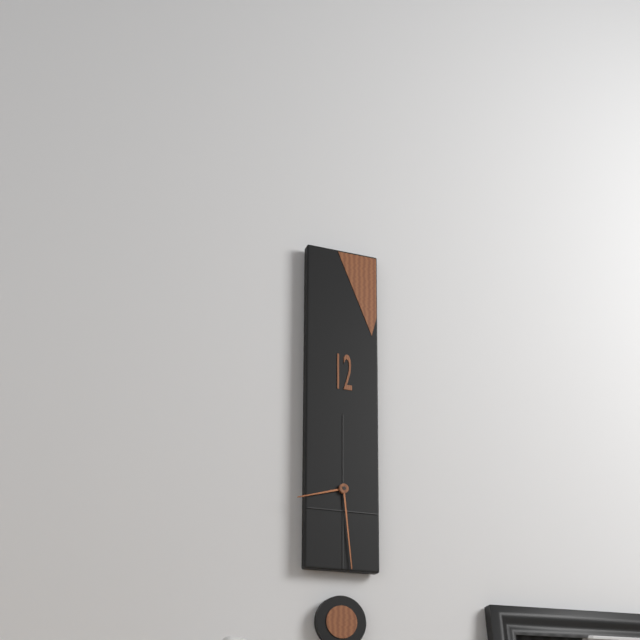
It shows h=8 m=29
